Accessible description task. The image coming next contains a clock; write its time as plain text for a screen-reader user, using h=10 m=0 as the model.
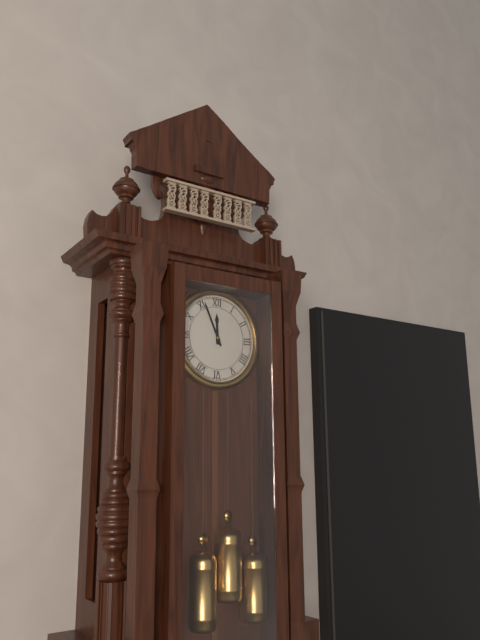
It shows h=11 m=56
